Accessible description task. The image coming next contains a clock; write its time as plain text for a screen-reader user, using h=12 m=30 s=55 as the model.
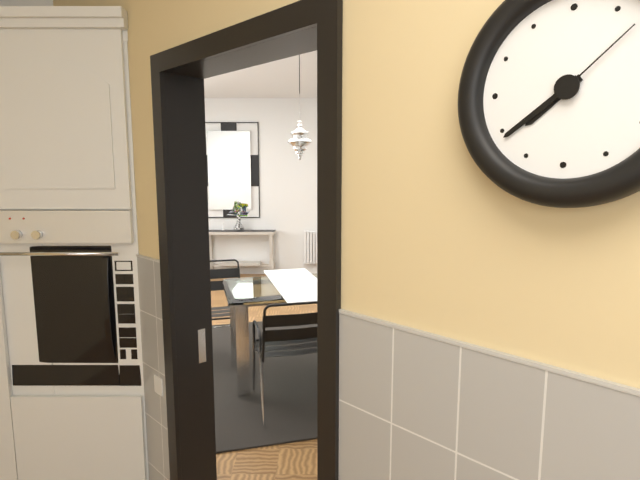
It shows h=7 m=39 s=8
